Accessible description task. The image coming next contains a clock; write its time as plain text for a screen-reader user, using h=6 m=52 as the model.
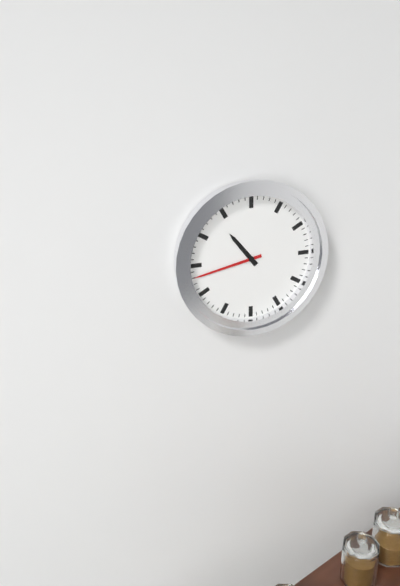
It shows h=10 m=43
